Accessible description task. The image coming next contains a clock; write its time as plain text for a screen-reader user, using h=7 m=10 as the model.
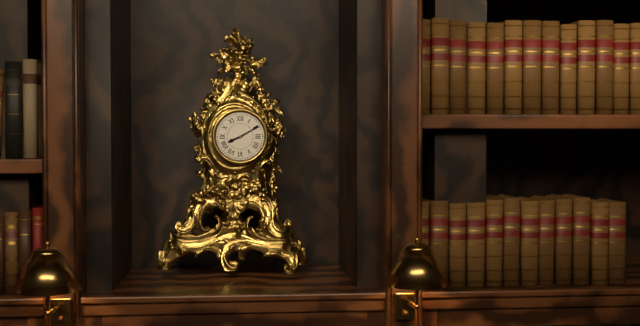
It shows h=8 m=10
